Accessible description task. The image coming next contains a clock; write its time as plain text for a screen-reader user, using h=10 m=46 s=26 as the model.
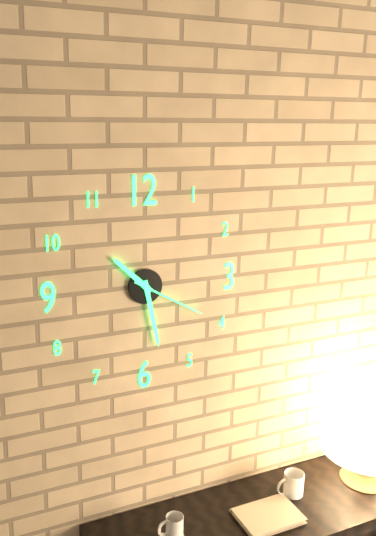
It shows h=10 m=28 s=20
